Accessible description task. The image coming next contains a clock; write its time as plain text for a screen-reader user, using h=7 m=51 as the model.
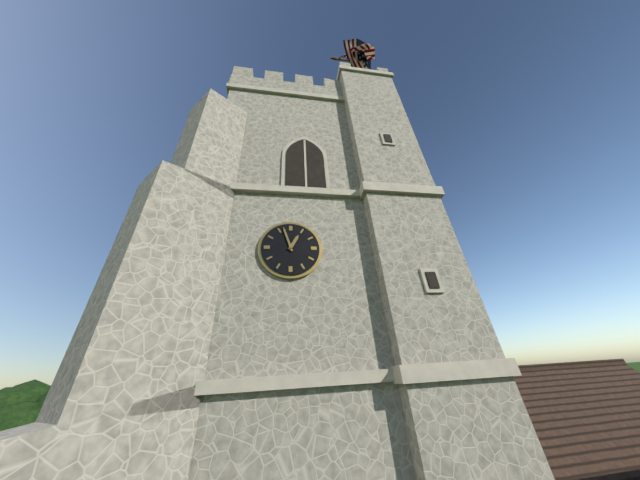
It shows h=12 m=57
